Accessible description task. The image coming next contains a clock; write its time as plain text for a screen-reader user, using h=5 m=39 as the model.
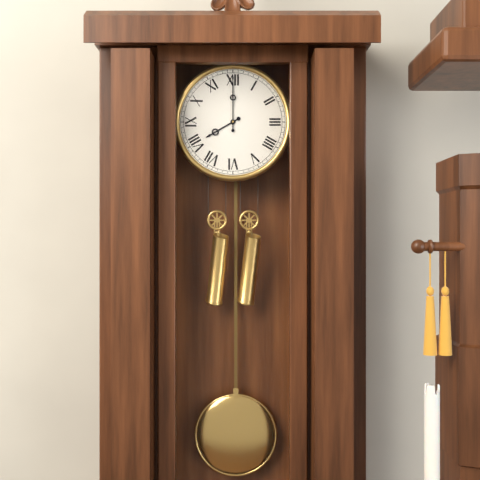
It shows h=8 m=0
